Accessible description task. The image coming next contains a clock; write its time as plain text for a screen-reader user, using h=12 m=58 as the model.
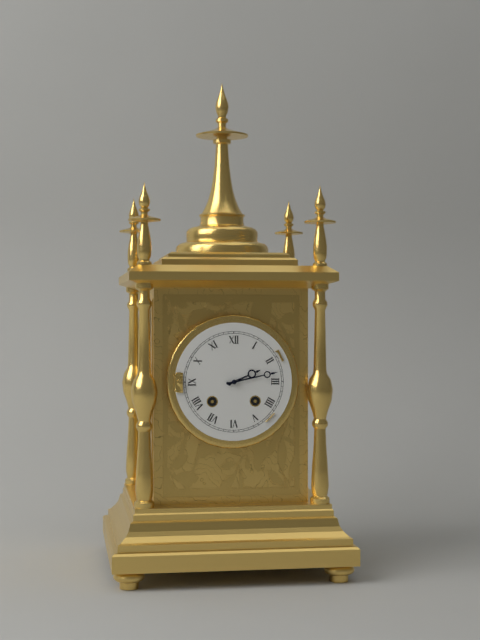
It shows h=2 m=13
